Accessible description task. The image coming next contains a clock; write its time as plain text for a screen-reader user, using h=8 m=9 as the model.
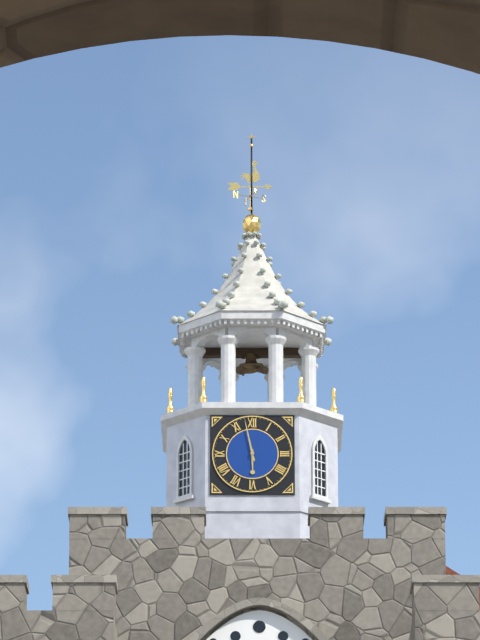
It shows h=5 m=58
